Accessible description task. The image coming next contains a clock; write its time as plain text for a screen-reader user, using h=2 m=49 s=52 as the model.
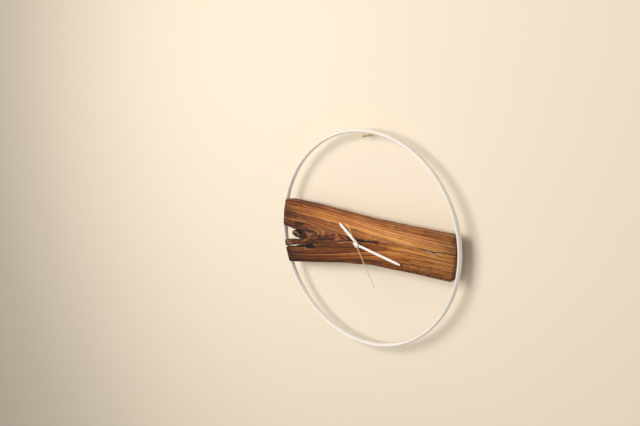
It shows h=10 m=17 s=25
